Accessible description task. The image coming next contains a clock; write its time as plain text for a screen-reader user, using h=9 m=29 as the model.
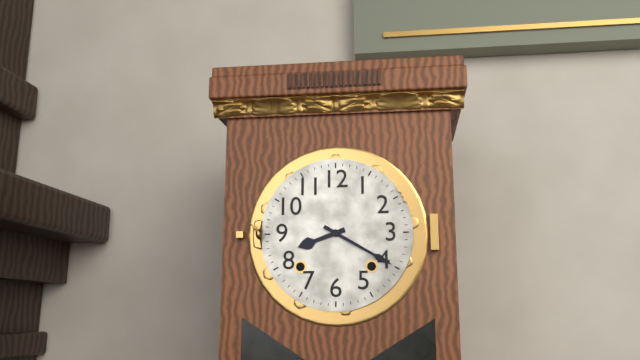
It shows h=8 m=20
